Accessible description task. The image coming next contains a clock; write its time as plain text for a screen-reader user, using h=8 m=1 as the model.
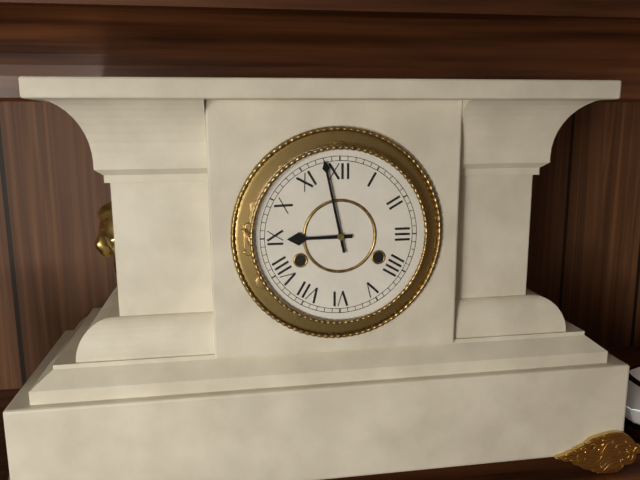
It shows h=8 m=58
